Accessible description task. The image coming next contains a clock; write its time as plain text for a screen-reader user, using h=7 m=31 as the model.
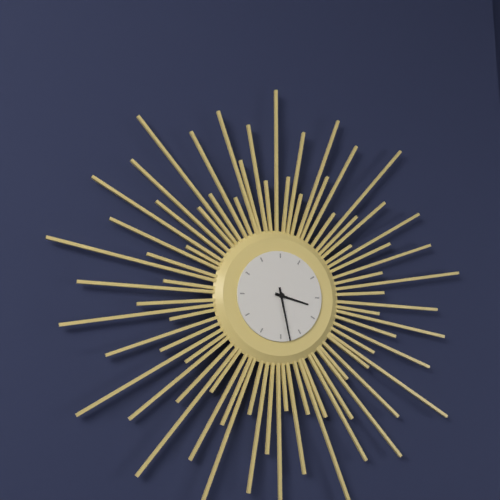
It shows h=3 m=28
